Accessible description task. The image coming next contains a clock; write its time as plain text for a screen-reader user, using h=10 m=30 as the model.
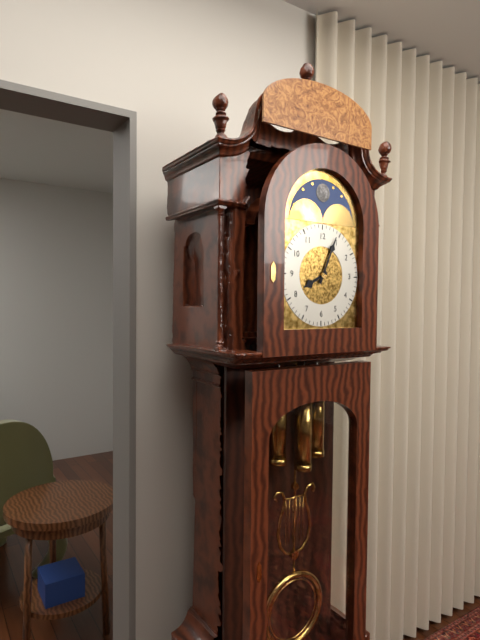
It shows h=8 m=4
